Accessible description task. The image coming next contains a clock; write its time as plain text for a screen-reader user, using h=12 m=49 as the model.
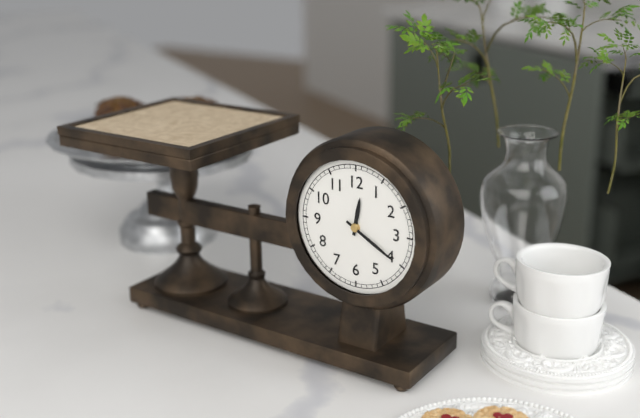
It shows h=12 m=20
